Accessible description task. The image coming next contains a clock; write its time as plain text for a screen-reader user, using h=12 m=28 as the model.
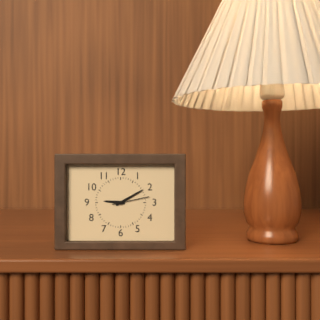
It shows h=9 m=10
